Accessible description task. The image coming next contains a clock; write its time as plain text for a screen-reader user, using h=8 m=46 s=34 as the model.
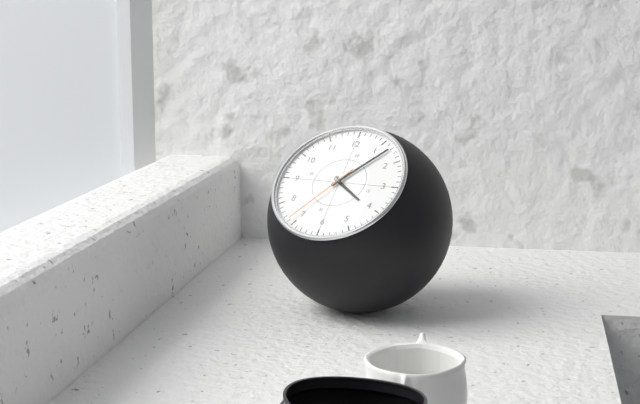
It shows h=4 m=7 s=36
